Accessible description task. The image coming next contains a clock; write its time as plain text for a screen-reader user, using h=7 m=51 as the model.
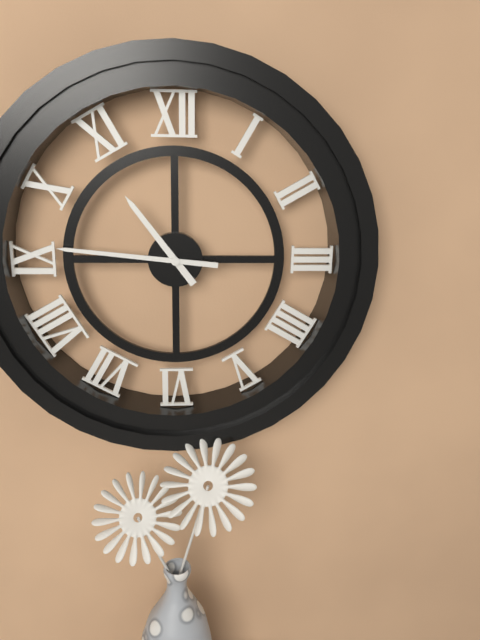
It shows h=10 m=46
